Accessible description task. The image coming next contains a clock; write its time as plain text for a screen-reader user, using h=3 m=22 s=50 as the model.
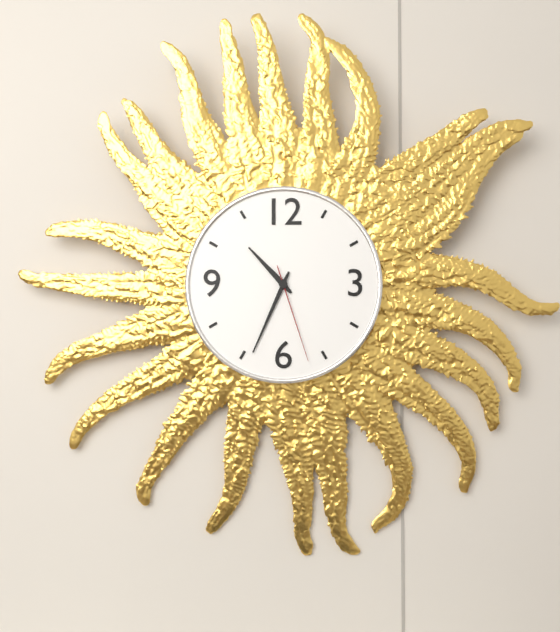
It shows h=10 m=34 s=27
